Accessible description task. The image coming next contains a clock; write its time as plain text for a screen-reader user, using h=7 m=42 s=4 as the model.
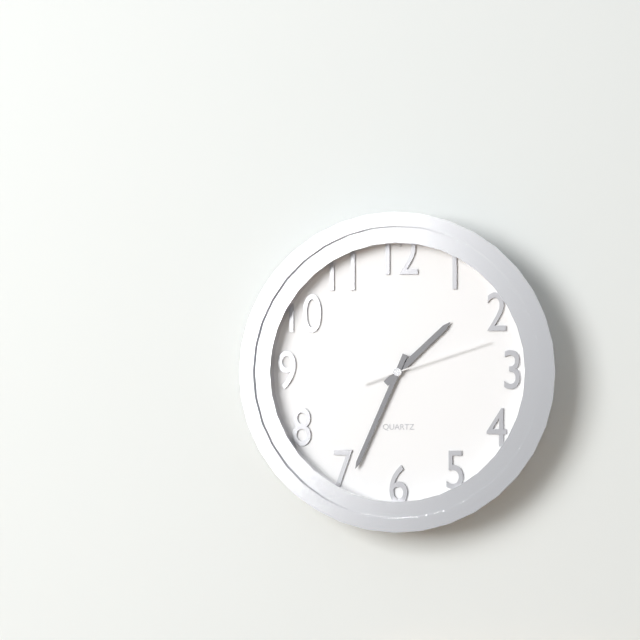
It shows h=1 m=34 s=12
